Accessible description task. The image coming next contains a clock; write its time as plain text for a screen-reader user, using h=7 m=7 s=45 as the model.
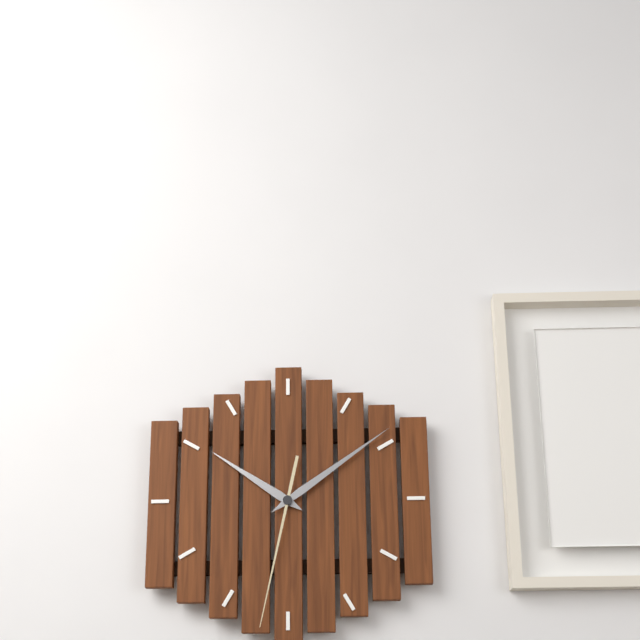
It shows h=10 m=9 s=32
